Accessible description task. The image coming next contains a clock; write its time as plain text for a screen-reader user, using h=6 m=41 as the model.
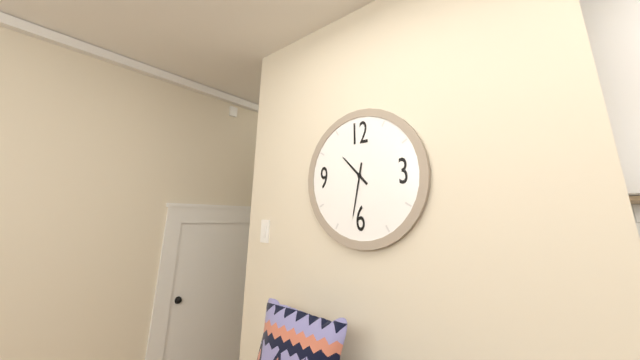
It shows h=10 m=32
